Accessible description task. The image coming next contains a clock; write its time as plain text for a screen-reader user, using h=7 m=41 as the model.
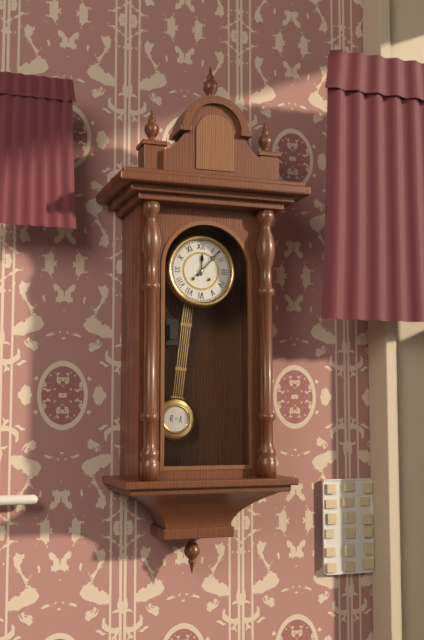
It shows h=12 m=7
